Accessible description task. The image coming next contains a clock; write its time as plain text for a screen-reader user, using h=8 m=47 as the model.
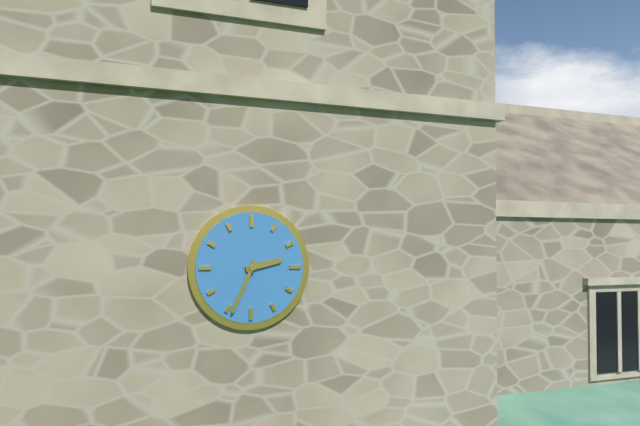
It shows h=2 m=34
